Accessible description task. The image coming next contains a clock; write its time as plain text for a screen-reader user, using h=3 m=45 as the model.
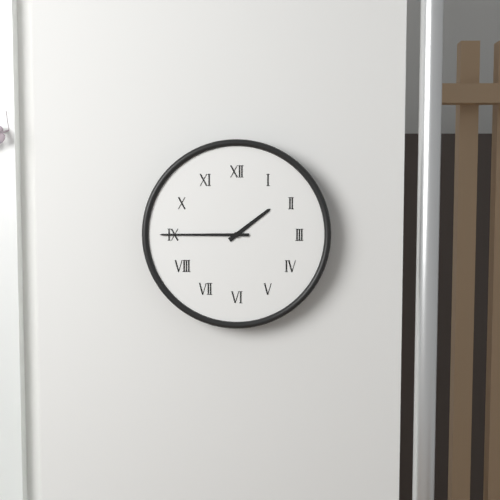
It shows h=1 m=45
